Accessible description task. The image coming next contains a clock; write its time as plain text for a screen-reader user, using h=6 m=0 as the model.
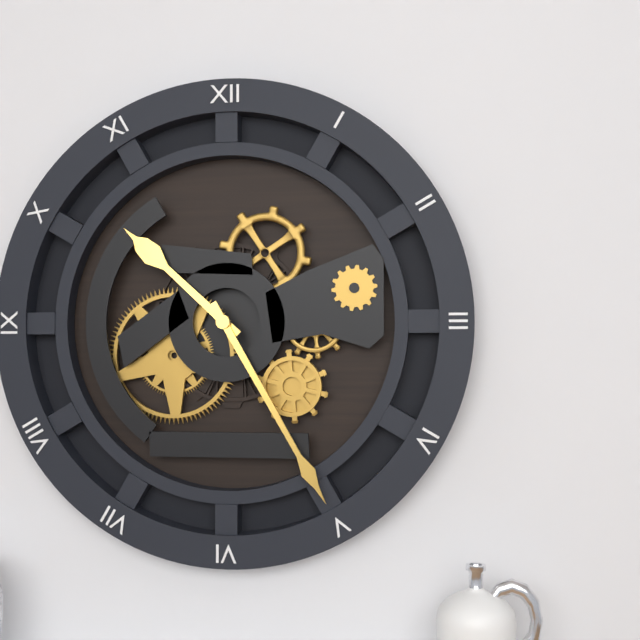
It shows h=10 m=25
